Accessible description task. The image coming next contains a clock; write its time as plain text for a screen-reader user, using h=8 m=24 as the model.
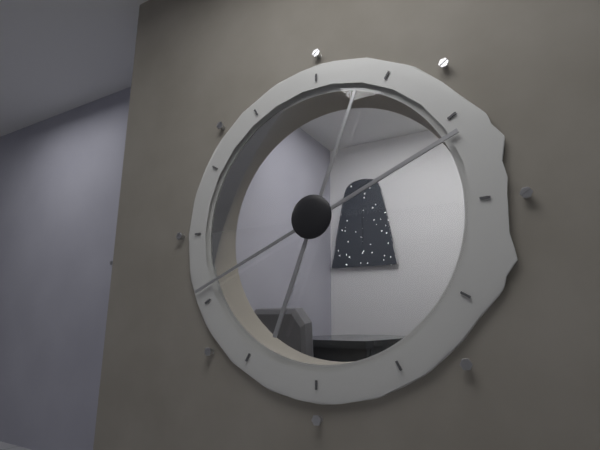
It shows h=12 m=41
